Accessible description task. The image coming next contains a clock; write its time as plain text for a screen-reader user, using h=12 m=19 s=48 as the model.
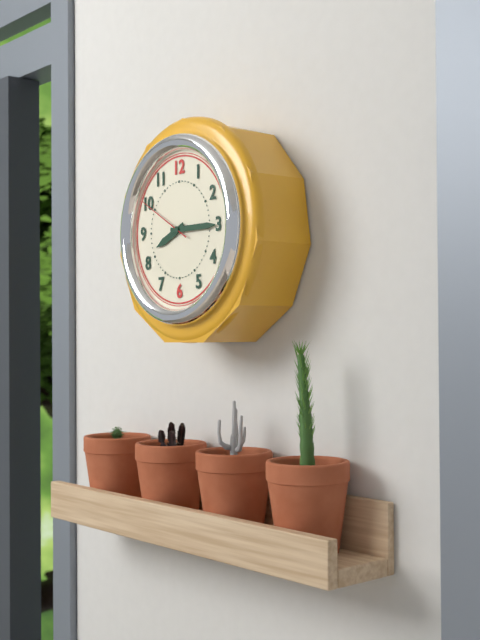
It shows h=8 m=15 s=50
